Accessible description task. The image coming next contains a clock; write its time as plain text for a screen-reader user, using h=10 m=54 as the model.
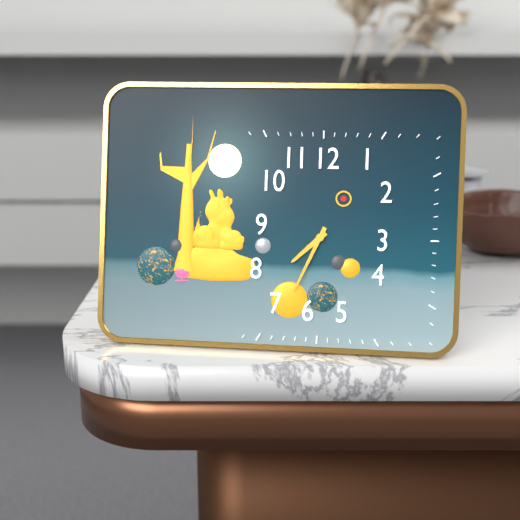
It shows h=7 m=34
